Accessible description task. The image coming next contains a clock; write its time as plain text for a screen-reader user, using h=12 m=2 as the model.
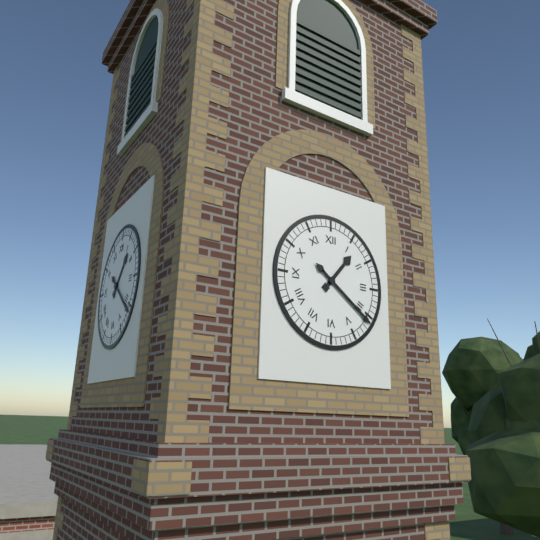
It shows h=1 m=21
